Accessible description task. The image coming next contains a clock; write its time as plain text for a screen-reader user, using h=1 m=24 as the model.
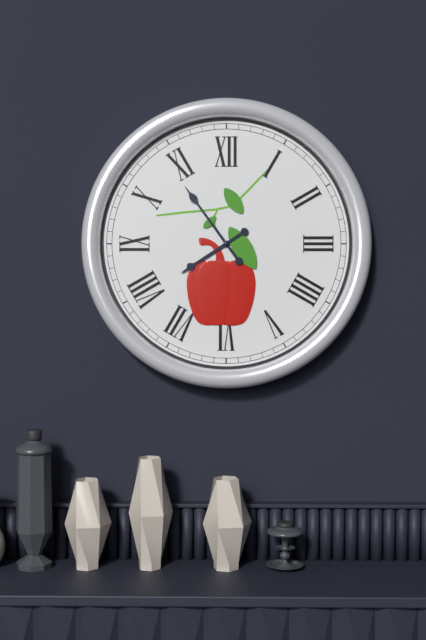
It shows h=7 m=54
